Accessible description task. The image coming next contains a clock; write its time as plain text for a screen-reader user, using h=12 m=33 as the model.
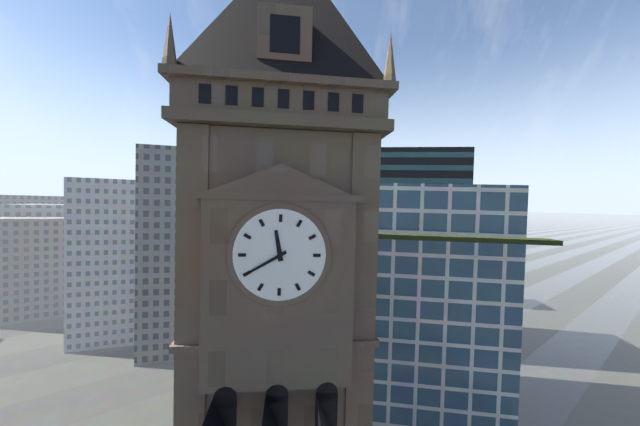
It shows h=11 m=40
